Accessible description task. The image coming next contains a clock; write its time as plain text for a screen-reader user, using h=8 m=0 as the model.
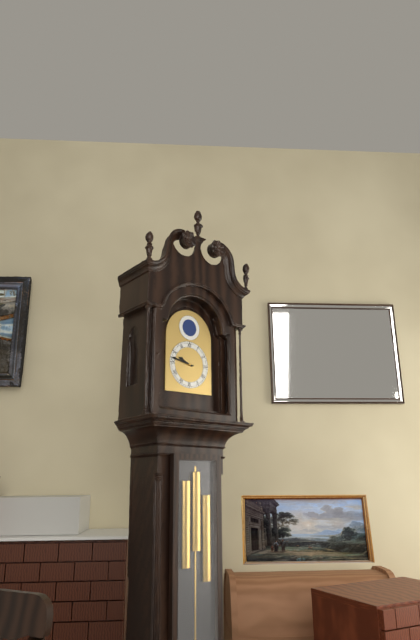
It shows h=9 m=47
